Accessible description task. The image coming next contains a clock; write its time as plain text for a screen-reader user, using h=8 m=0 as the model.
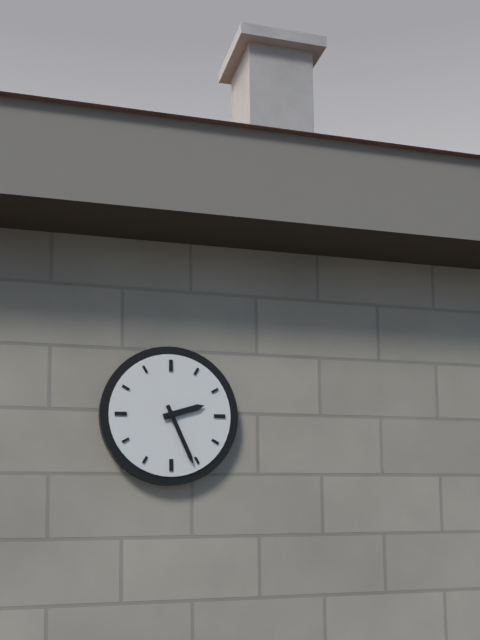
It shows h=2 m=26
